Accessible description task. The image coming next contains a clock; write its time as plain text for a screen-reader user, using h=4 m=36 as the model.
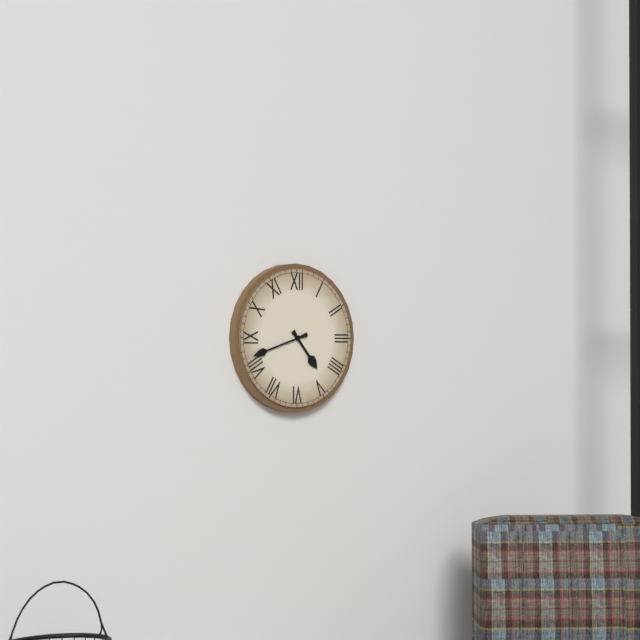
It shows h=4 m=42
